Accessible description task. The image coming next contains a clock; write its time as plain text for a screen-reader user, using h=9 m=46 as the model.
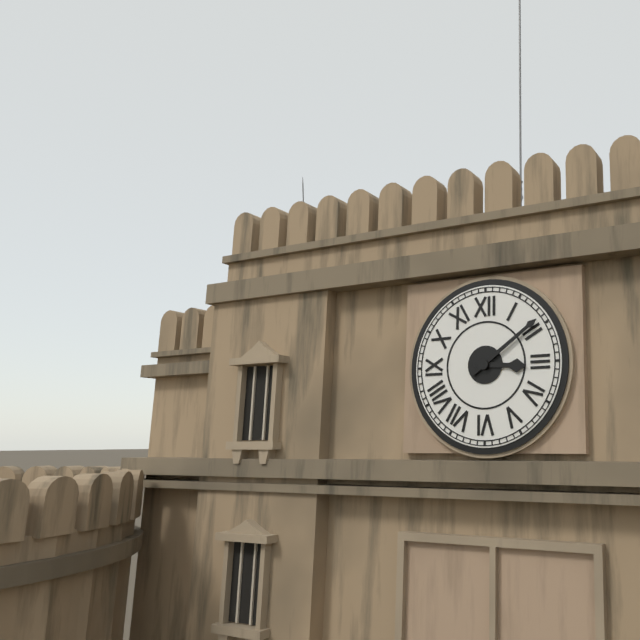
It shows h=3 m=9
